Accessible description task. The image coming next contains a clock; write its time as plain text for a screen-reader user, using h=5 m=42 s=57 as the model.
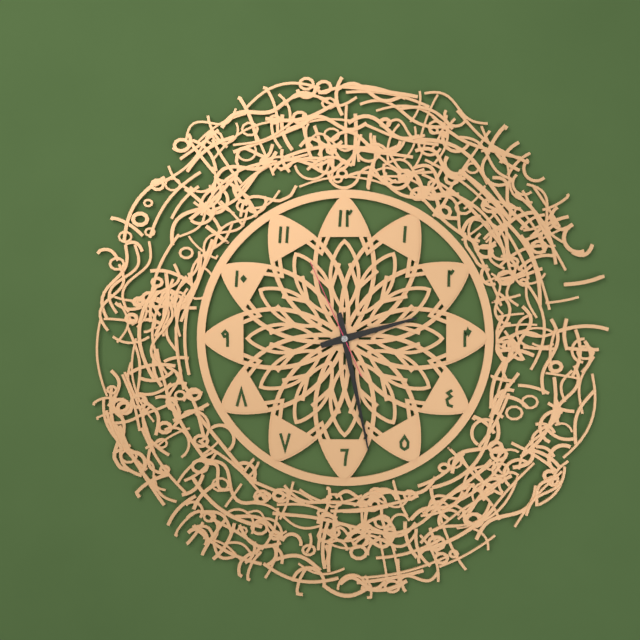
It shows h=2 m=28 s=56
